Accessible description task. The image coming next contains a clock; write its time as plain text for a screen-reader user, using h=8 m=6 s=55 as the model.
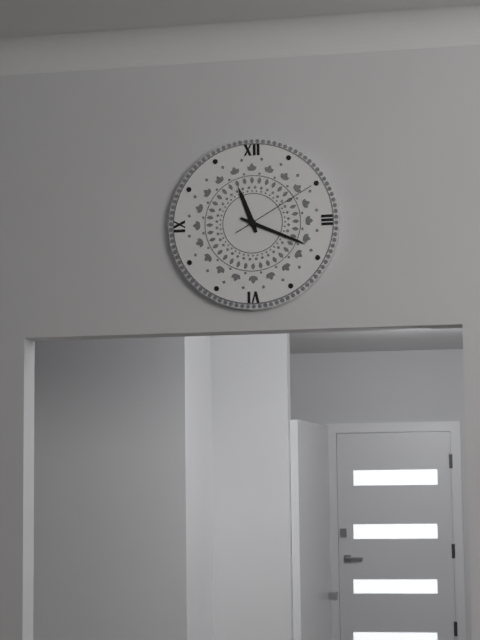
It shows h=11 m=19 s=10
